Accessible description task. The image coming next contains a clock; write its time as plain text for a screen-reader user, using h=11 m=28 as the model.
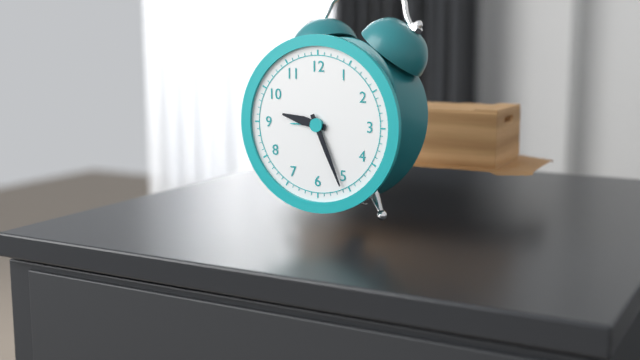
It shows h=9 m=26
